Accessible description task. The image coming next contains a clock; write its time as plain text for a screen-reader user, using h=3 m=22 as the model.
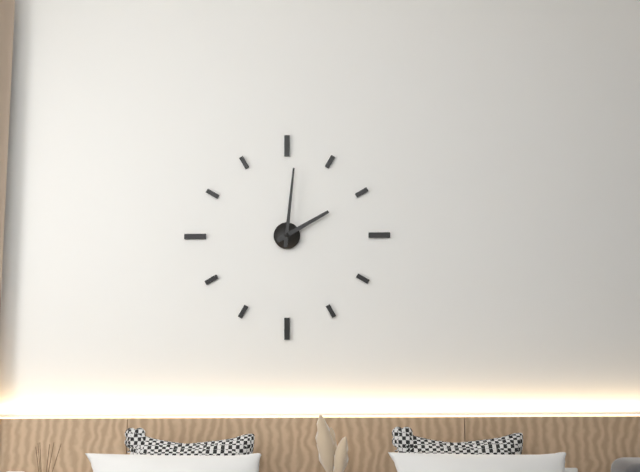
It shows h=2 m=1
